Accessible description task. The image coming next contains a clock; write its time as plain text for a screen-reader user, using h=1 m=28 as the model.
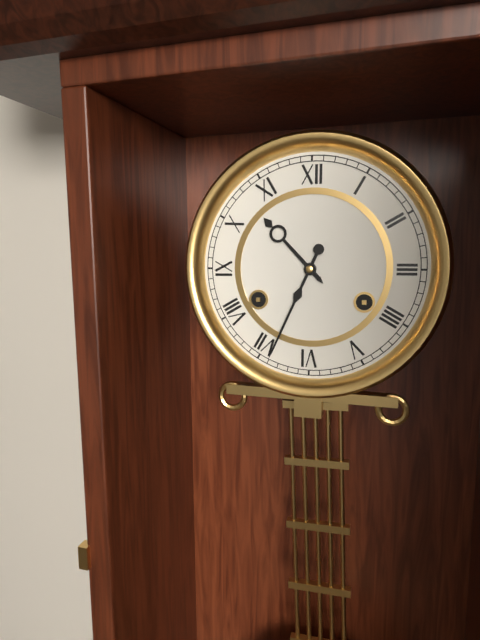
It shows h=10 m=34
